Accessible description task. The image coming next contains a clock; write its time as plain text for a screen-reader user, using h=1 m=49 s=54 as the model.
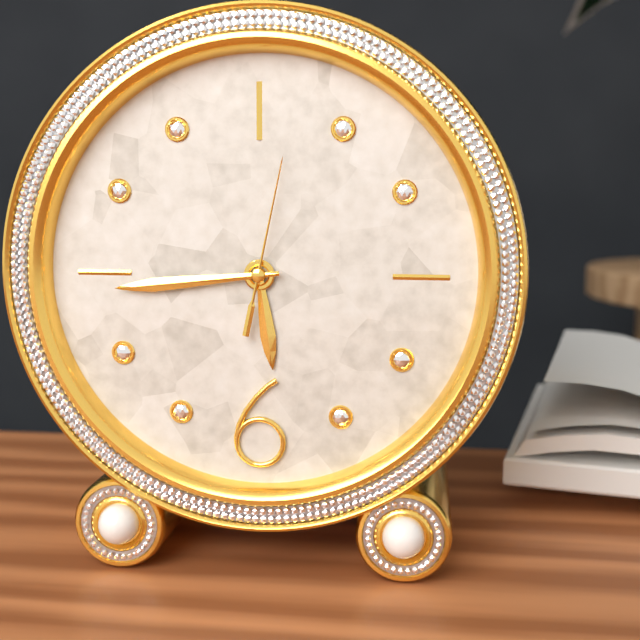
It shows h=5 m=44 s=2
